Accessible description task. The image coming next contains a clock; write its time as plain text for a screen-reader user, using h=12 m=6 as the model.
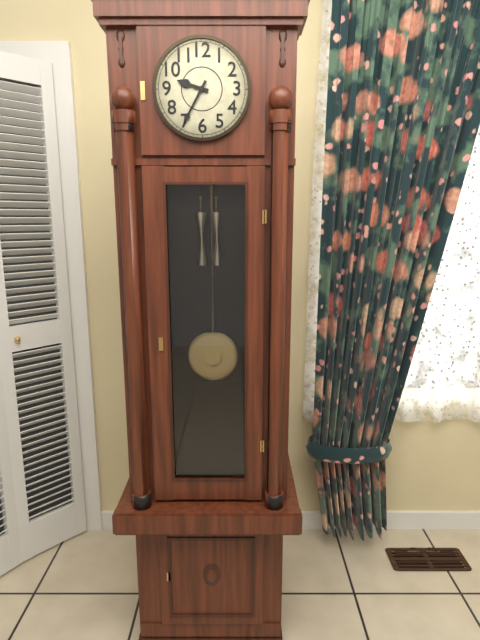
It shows h=9 m=35
